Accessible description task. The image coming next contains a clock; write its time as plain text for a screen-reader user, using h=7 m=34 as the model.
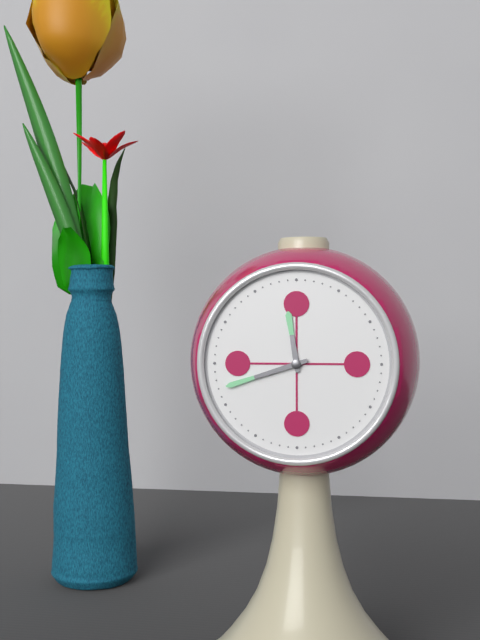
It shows h=11 m=42
